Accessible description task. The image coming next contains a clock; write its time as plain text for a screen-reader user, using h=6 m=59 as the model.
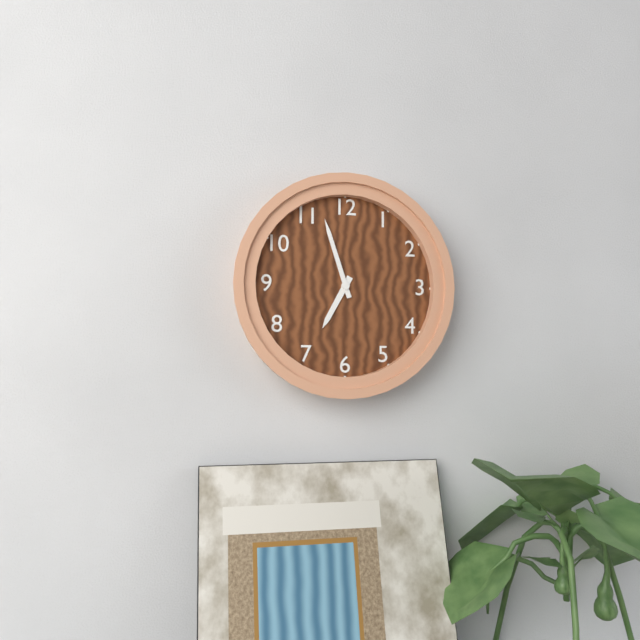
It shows h=6 m=57
